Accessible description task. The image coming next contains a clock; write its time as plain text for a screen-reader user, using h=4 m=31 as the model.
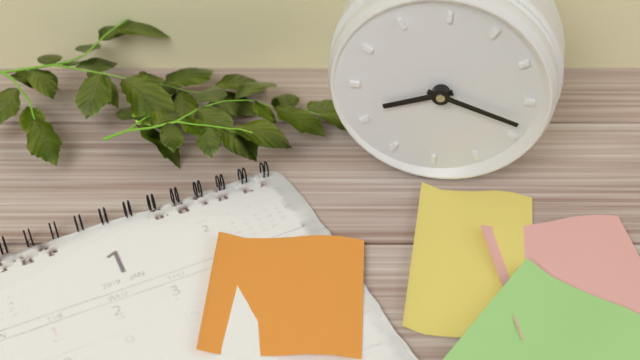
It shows h=8 m=18
